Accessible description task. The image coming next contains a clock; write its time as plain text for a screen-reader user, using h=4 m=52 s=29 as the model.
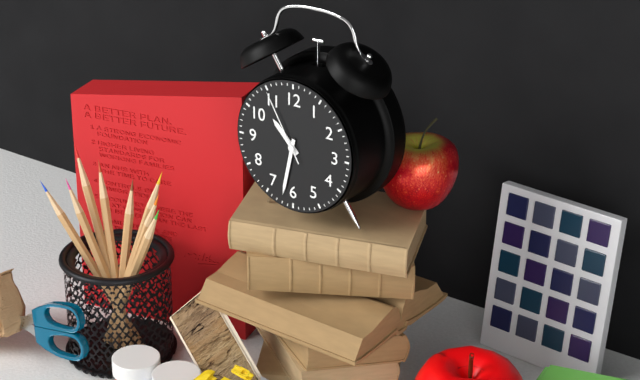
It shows h=10 m=32 s=55
